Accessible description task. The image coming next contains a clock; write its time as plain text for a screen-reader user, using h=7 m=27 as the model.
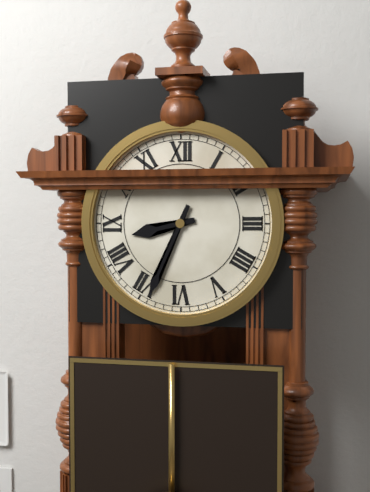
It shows h=8 m=34
